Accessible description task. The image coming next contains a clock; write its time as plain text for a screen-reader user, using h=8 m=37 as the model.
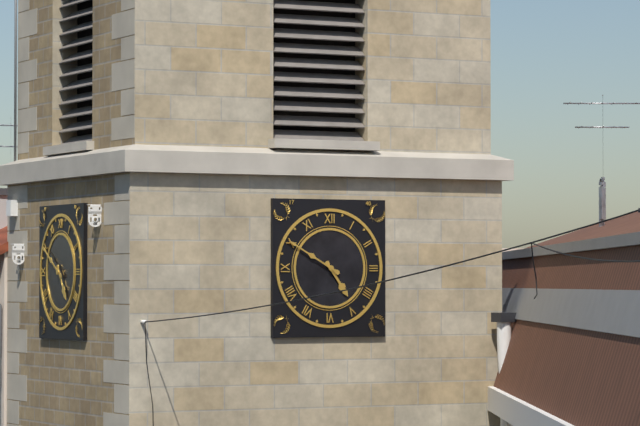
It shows h=4 m=50
